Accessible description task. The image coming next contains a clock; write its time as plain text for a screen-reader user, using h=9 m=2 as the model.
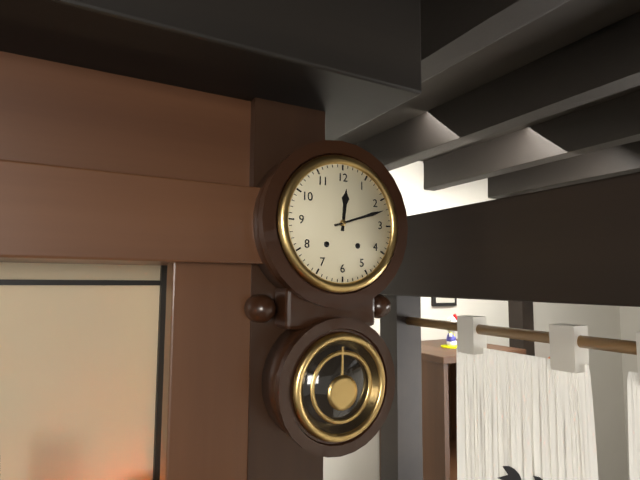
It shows h=12 m=12
